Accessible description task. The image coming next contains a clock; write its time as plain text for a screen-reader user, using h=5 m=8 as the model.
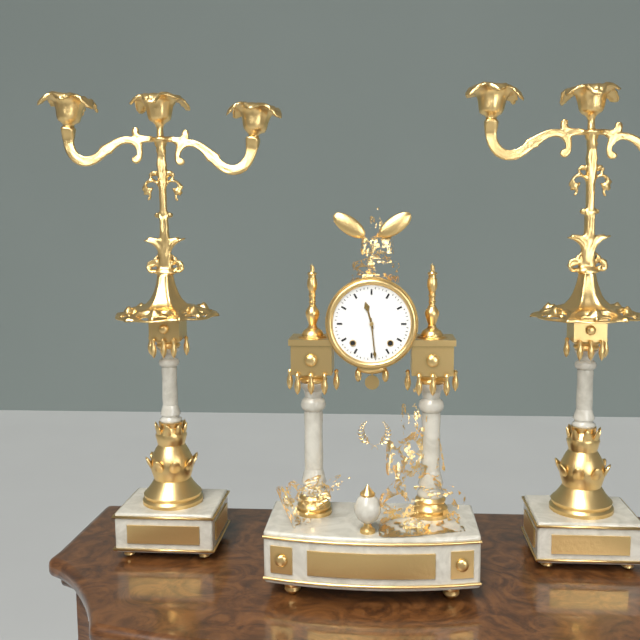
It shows h=11 m=29
